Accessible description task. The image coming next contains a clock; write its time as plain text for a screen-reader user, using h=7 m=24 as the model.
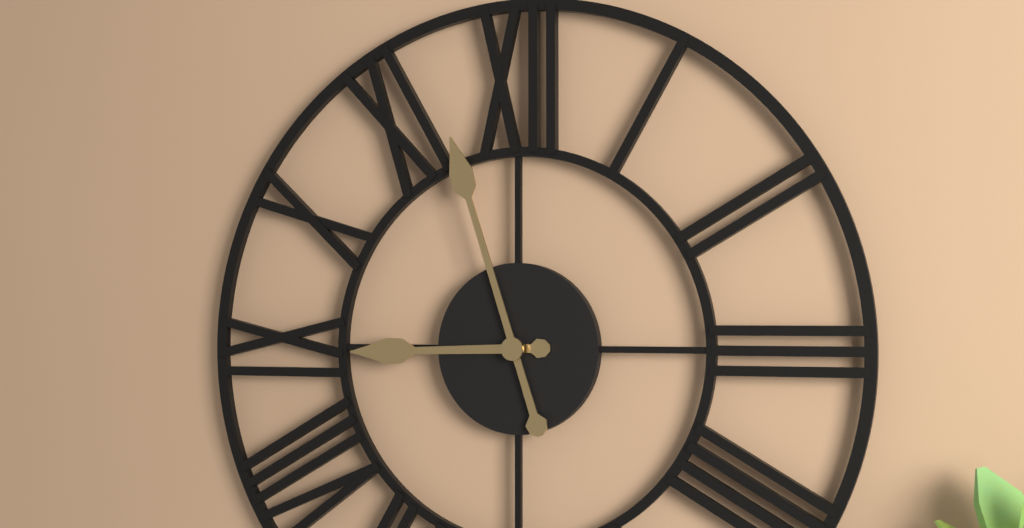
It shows h=8 m=57
